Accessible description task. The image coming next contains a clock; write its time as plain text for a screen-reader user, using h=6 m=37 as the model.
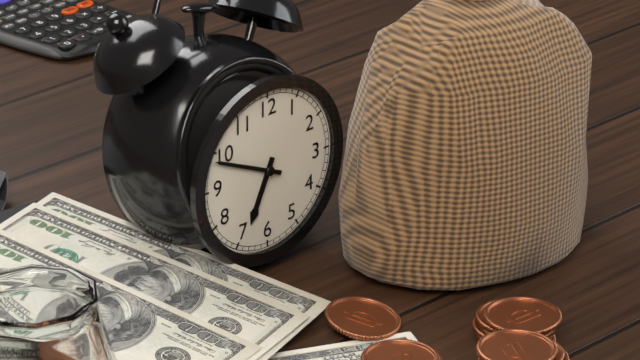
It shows h=6 m=49
